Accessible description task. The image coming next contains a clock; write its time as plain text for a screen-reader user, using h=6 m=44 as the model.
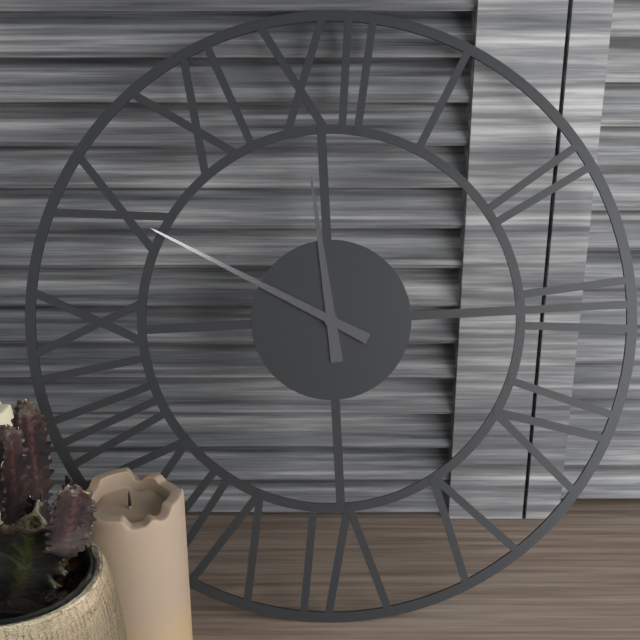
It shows h=11 m=50
